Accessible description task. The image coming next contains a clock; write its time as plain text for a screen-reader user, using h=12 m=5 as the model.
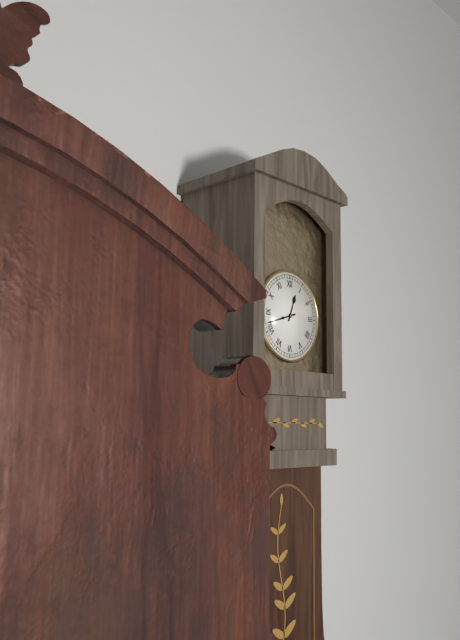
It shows h=12 m=42
